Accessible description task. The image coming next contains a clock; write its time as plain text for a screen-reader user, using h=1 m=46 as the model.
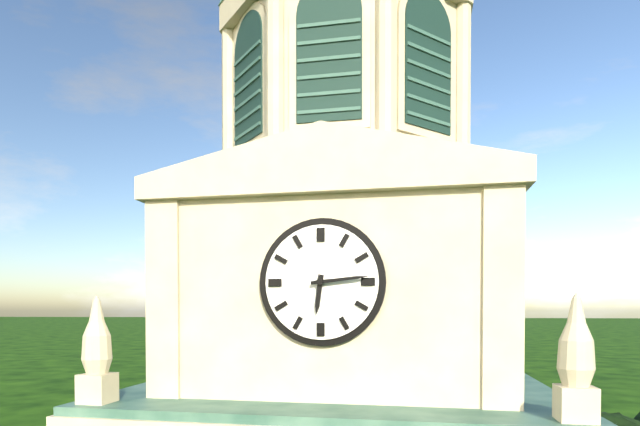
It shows h=6 m=14
